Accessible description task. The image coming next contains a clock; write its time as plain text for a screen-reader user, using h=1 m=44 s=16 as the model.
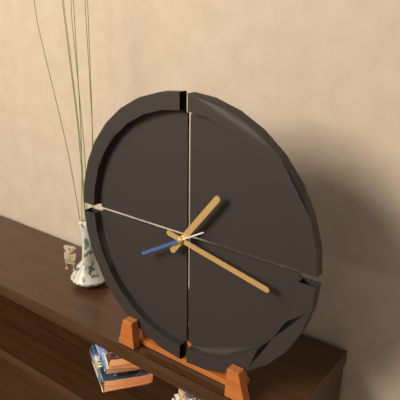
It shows h=1 m=17 s=40
